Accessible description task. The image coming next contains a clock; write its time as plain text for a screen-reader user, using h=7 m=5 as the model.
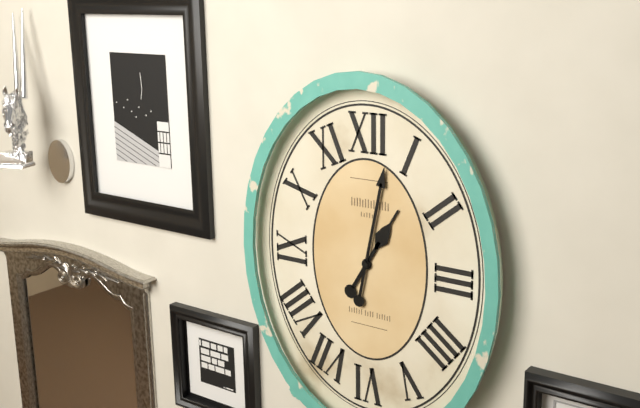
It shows h=1 m=2
